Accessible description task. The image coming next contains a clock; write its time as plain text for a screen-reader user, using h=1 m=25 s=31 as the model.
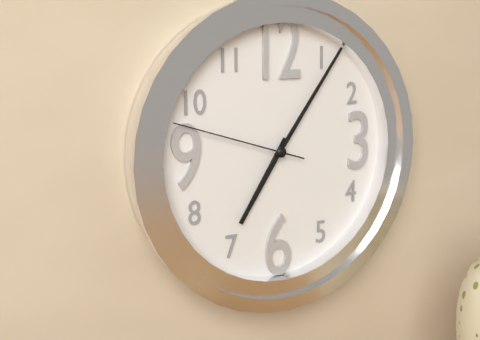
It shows h=7 m=6 s=48
